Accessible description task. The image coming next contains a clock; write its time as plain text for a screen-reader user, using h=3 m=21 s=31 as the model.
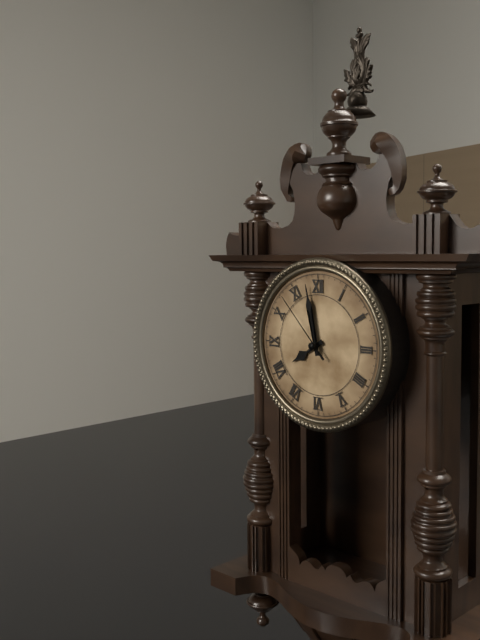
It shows h=7 m=58 s=53
